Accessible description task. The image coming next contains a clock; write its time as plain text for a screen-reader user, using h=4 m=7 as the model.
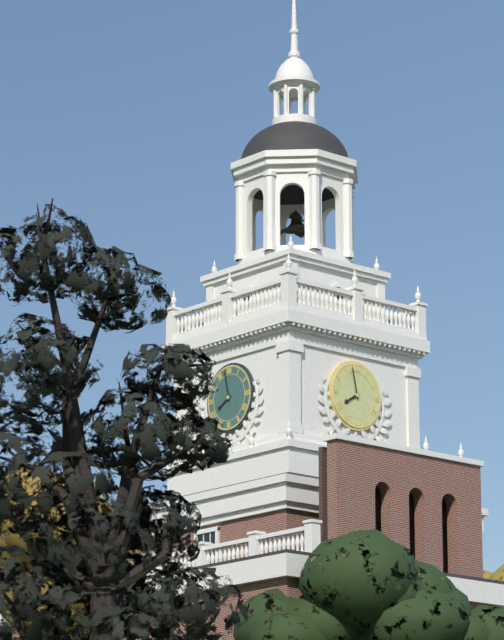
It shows h=7 m=58
